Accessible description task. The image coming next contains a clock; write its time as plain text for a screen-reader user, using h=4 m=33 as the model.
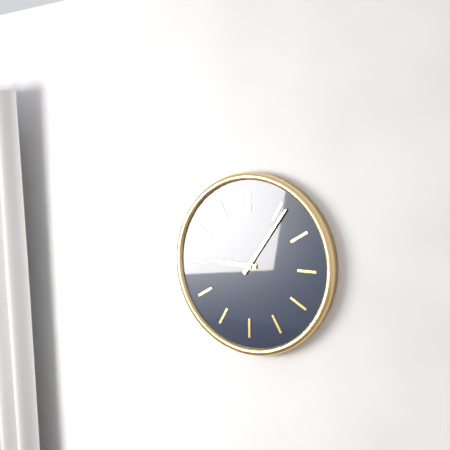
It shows h=9 m=6
